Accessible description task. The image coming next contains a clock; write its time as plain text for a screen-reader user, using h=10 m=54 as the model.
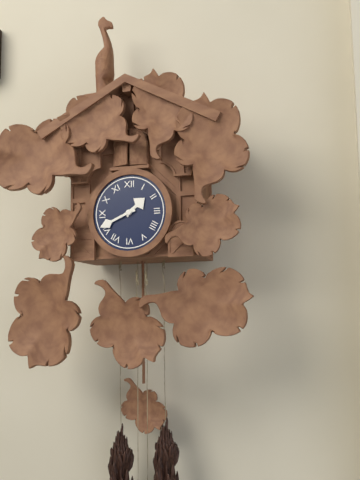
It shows h=1 m=41
